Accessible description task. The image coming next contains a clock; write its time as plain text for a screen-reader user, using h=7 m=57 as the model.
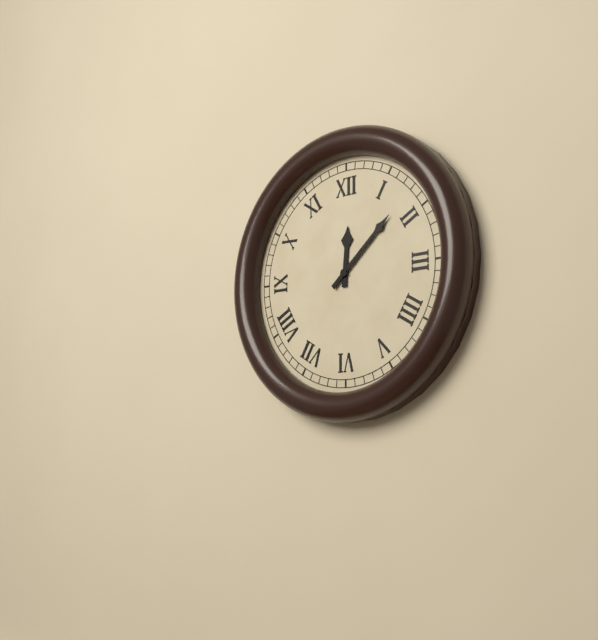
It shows h=12 m=8
